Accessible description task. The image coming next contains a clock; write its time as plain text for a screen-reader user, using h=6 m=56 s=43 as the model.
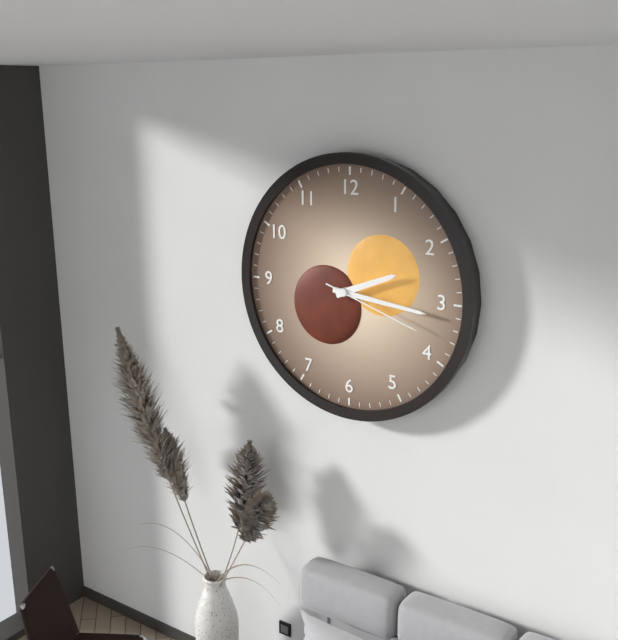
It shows h=2 m=16 s=18
